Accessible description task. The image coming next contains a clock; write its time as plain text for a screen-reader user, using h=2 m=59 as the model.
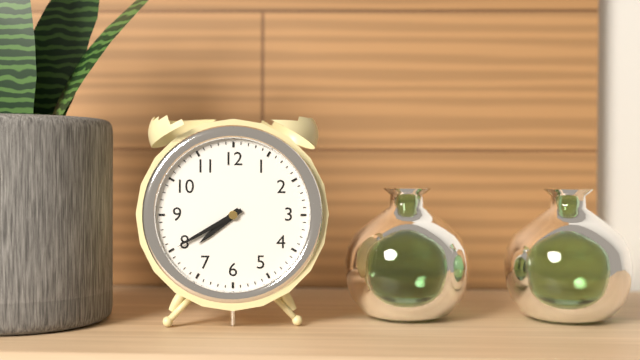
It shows h=7 m=40
